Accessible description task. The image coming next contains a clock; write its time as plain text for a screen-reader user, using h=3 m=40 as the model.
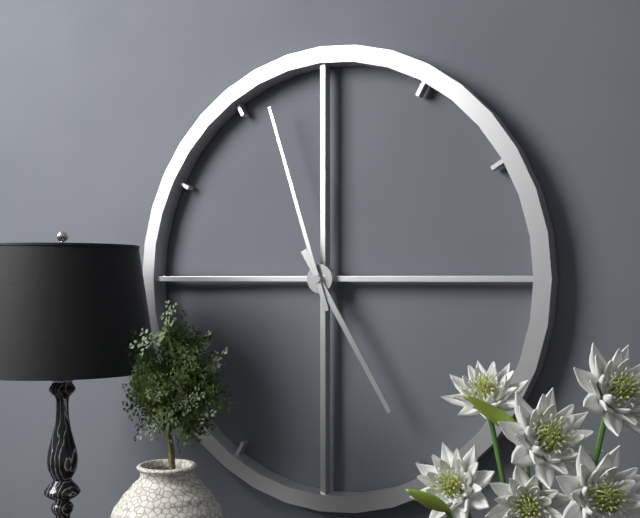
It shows h=4 m=57
